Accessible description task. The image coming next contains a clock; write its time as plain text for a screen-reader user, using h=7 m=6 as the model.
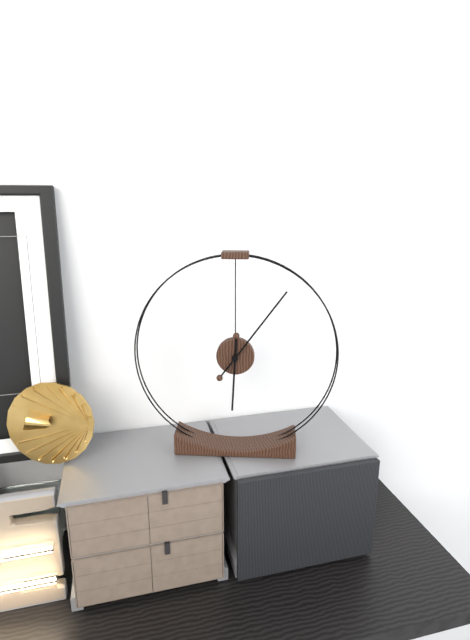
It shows h=6 m=6
